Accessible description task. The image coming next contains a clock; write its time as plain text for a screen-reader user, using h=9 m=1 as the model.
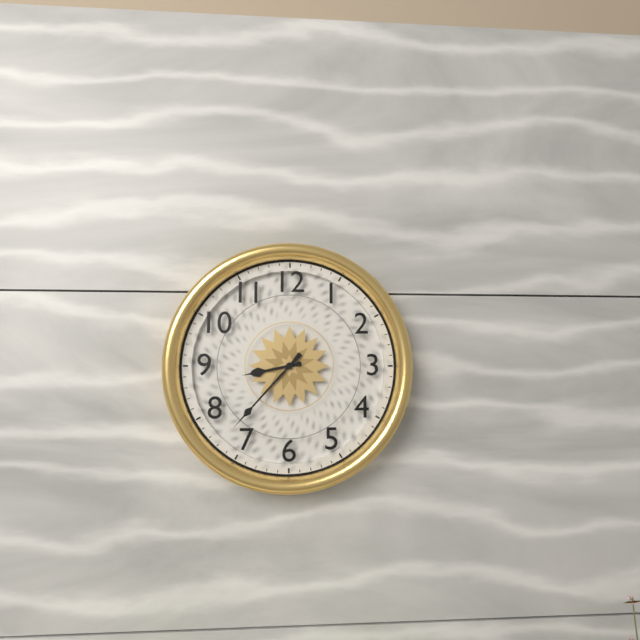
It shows h=8 m=37
